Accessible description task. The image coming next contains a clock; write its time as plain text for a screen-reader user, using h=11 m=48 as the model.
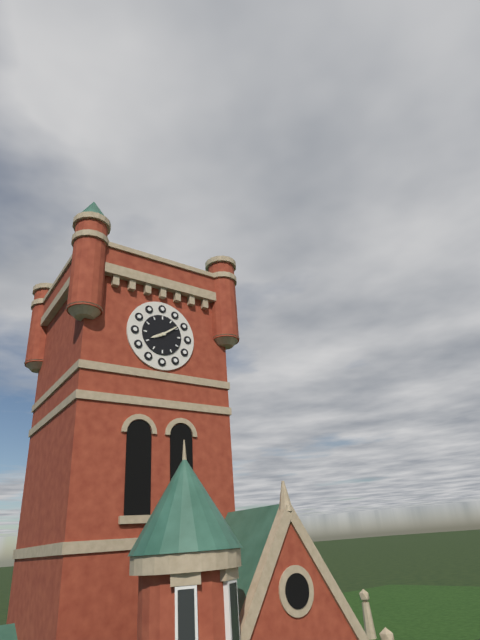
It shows h=8 m=9
